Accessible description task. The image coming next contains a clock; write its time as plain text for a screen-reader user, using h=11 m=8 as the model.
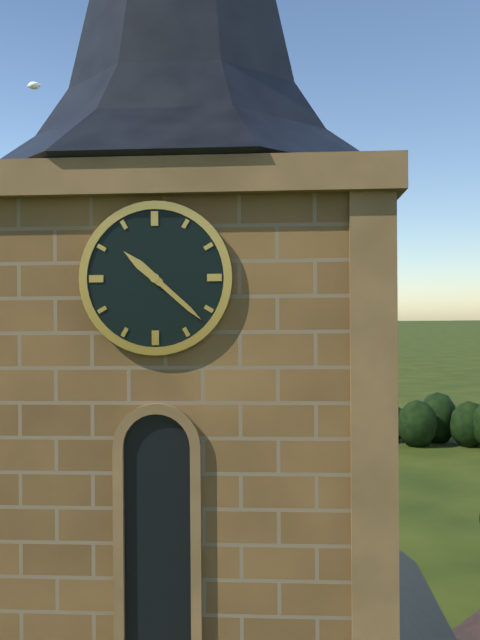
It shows h=10 m=22
